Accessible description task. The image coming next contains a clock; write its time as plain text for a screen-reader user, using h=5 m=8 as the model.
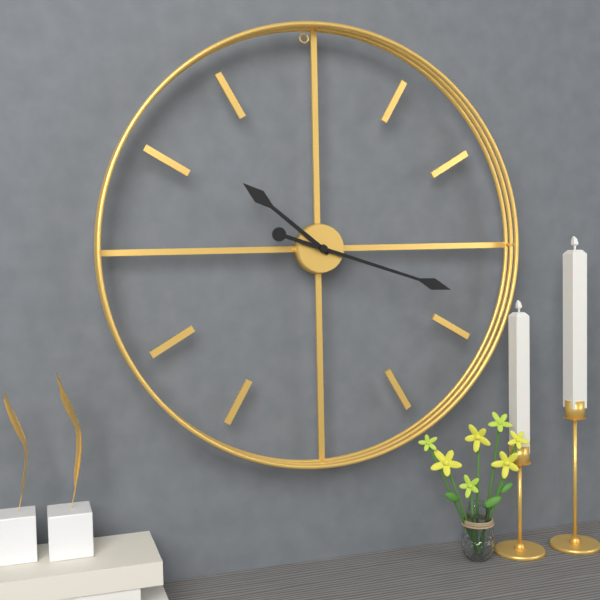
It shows h=10 m=18
